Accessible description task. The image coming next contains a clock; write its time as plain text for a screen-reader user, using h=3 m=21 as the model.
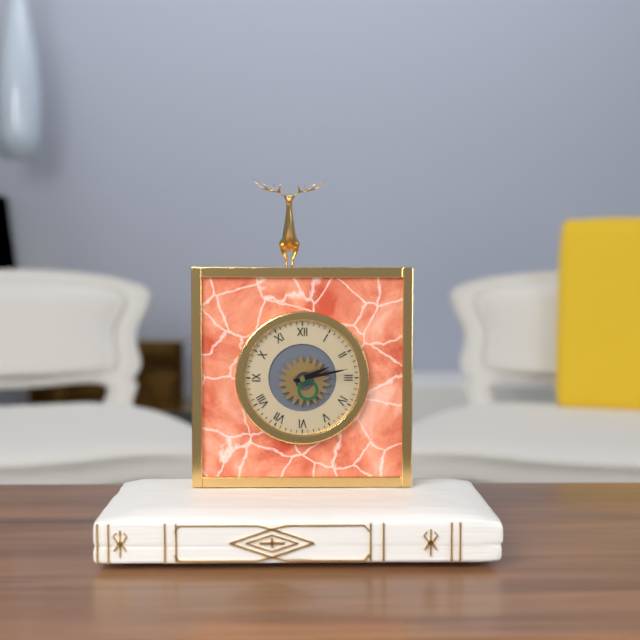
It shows h=2 m=13
